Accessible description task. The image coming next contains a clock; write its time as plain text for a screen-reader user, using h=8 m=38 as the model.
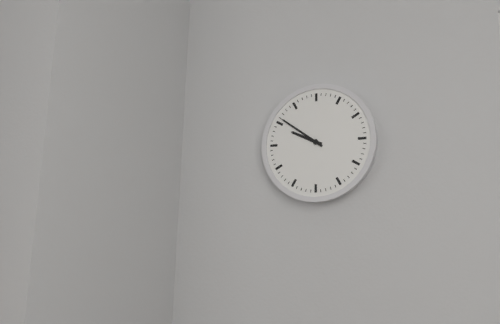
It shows h=9 m=51
